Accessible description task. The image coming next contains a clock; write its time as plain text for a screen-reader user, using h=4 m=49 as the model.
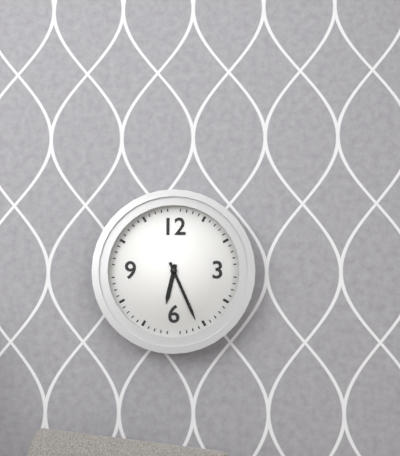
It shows h=6 m=26
